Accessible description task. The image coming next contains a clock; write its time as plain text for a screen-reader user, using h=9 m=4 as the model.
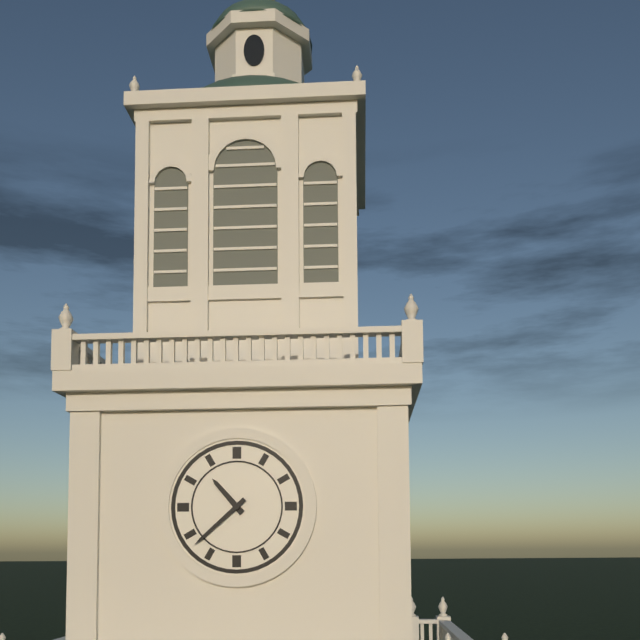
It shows h=10 m=38
